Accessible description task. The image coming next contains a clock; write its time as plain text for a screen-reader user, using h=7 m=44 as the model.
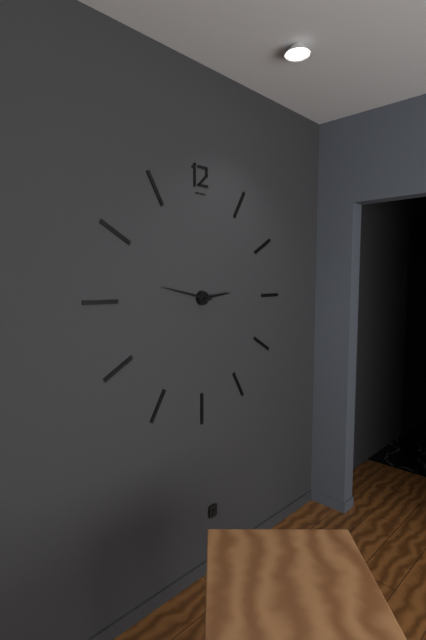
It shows h=2 m=47
